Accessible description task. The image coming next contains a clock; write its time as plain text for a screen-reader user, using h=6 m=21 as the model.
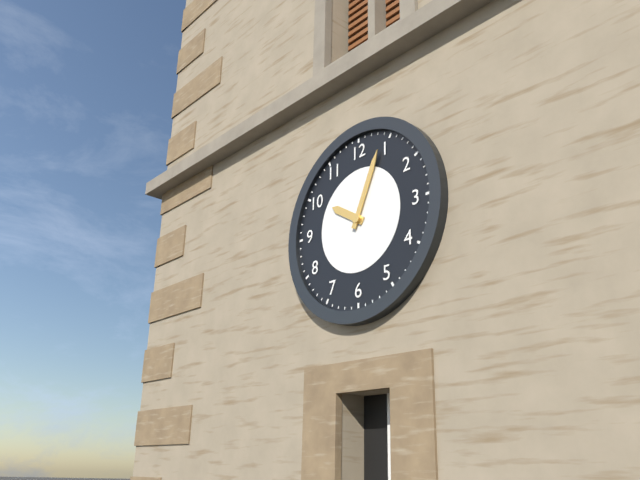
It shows h=10 m=4
